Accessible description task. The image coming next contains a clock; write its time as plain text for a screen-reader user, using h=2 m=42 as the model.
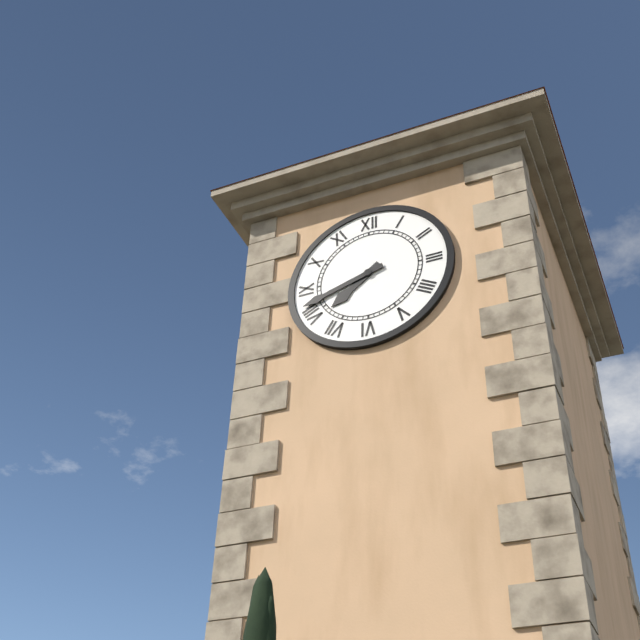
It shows h=7 m=42
